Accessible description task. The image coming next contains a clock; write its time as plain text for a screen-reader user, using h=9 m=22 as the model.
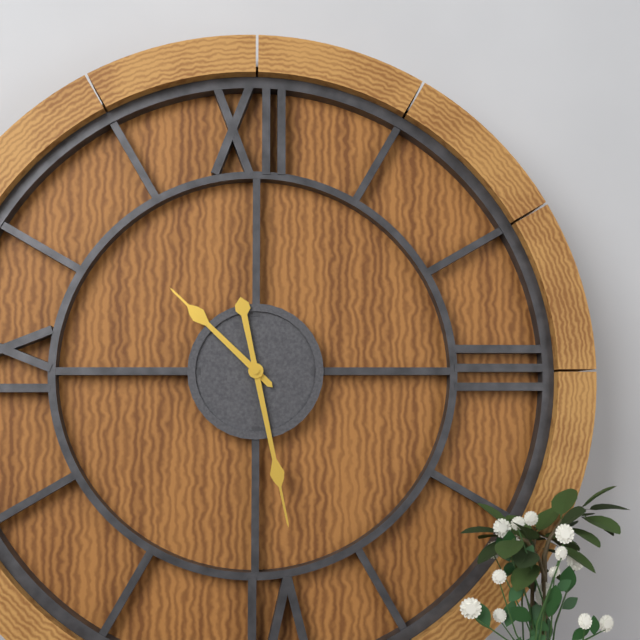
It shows h=10 m=28
